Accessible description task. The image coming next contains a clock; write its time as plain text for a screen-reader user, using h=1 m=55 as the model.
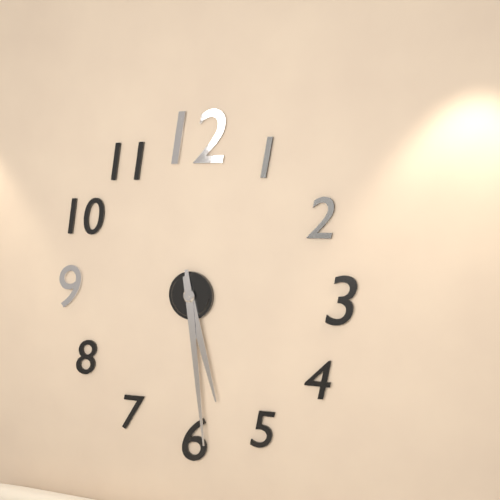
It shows h=5 m=29
